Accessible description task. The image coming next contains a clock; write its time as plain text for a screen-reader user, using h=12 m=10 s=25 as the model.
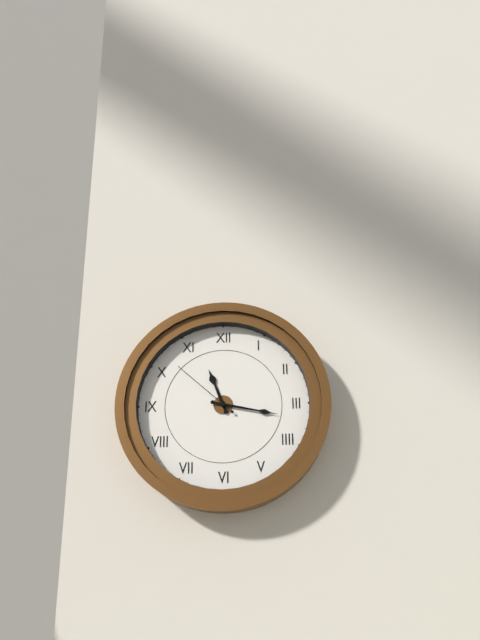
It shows h=11 m=17 s=52
